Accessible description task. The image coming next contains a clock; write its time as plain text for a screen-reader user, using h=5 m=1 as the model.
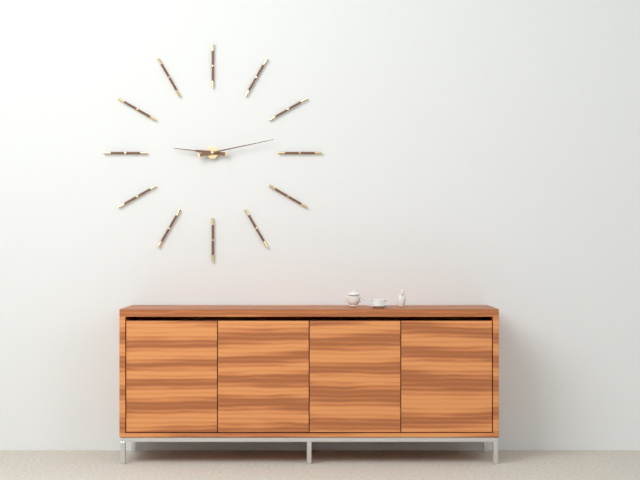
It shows h=9 m=13
